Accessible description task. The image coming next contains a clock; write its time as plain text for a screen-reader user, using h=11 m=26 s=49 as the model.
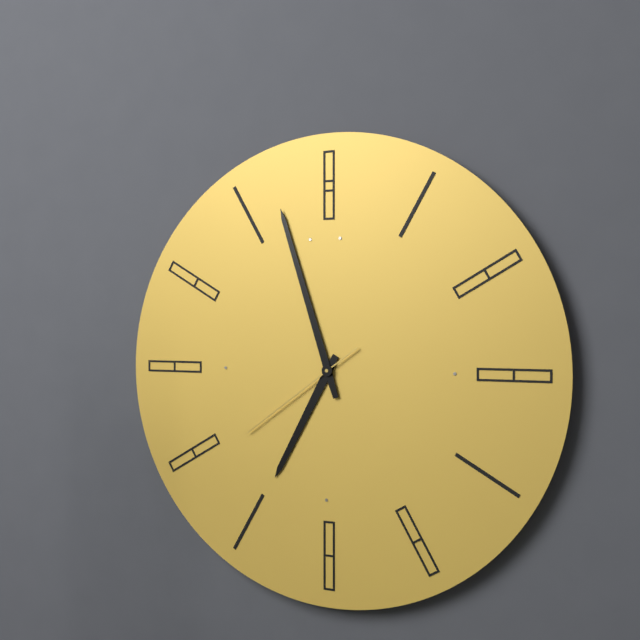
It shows h=6 m=57 s=39
